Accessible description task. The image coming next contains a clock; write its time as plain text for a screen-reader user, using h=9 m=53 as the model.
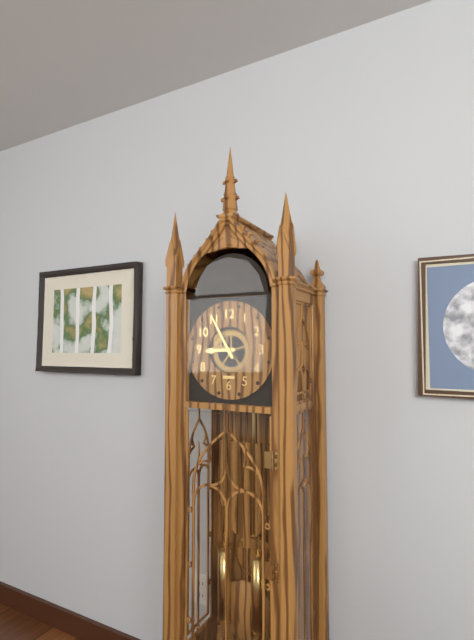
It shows h=8 m=55
